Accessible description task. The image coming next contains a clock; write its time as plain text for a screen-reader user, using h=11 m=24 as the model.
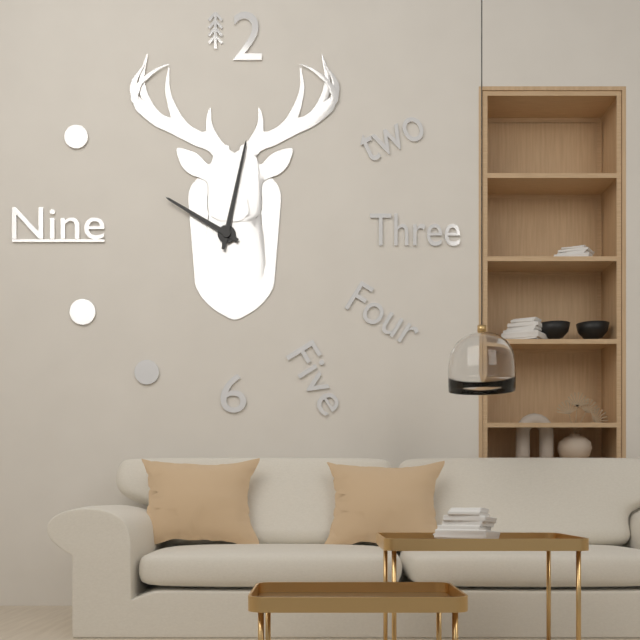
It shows h=10 m=2
